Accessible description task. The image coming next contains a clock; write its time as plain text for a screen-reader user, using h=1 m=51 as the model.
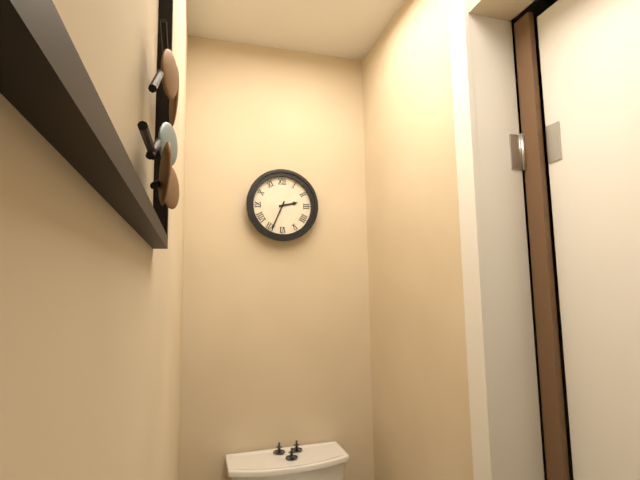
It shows h=2 m=34
